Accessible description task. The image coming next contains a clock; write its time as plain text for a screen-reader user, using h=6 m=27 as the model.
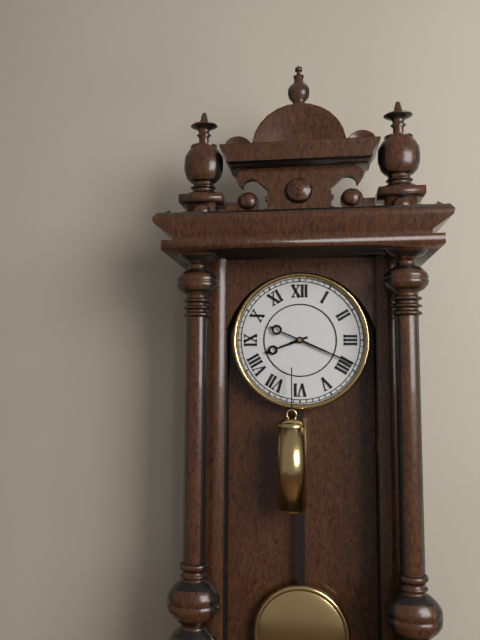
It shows h=8 m=19
